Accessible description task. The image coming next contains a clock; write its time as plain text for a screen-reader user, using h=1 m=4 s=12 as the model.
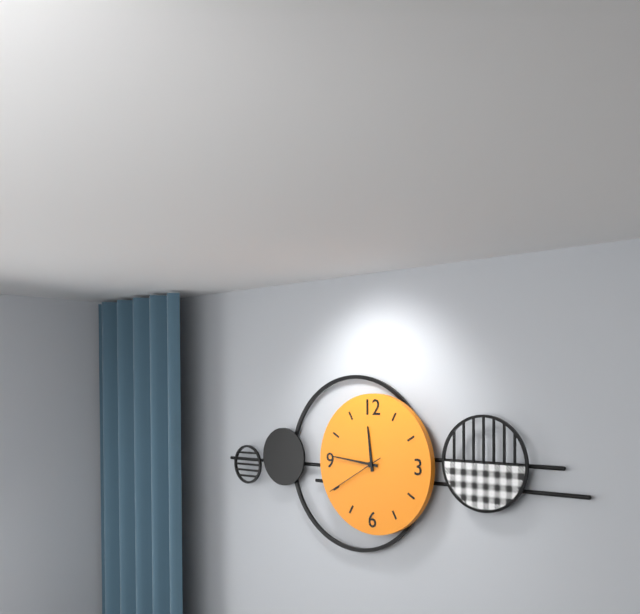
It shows h=11 m=46 s=40
